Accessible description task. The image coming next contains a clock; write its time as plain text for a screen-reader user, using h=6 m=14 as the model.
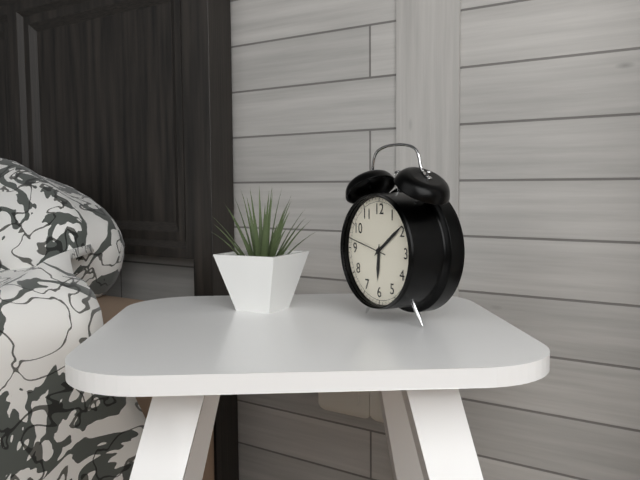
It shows h=6 m=9
